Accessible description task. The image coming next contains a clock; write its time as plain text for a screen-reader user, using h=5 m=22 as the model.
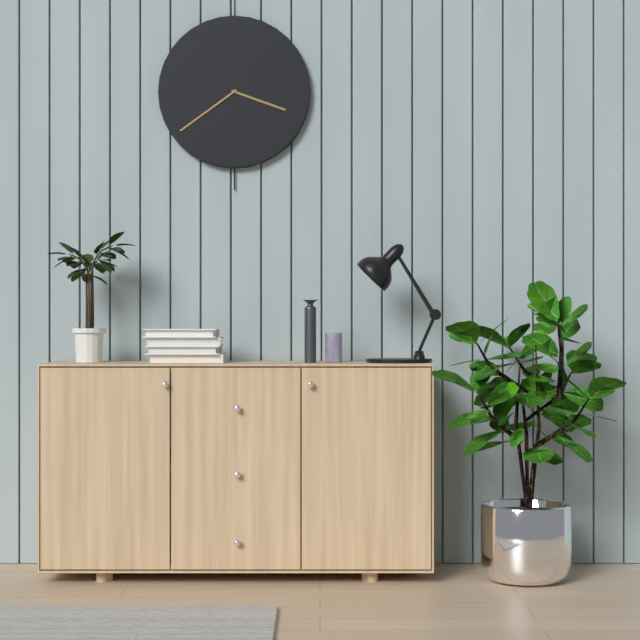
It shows h=3 m=39
